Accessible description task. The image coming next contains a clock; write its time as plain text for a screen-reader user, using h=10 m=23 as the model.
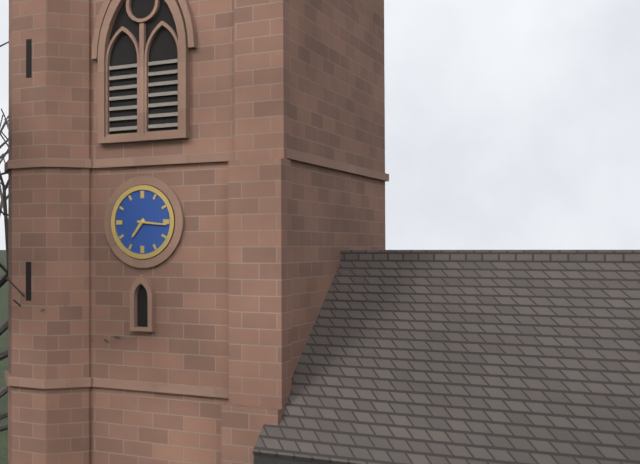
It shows h=7 m=16
